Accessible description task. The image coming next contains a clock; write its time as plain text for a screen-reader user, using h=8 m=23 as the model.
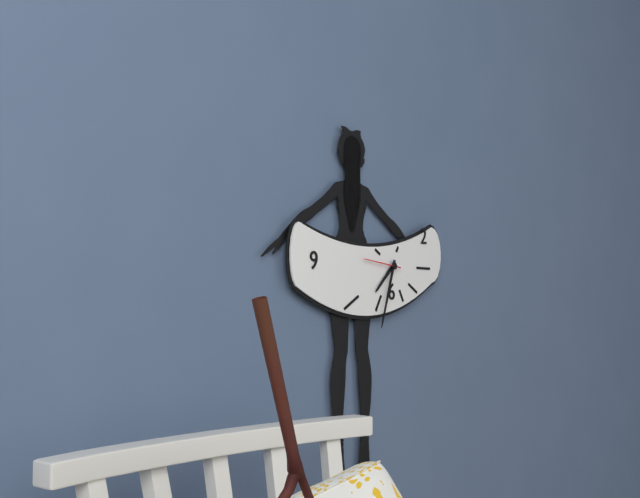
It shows h=7 m=33
